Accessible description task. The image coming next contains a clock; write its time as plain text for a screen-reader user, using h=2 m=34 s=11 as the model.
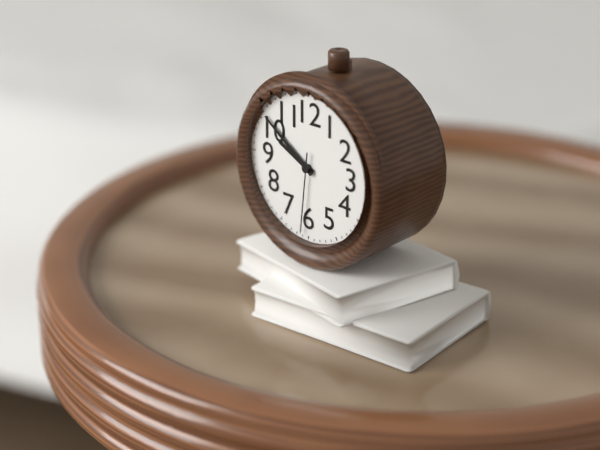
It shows h=9 m=51 s=31
